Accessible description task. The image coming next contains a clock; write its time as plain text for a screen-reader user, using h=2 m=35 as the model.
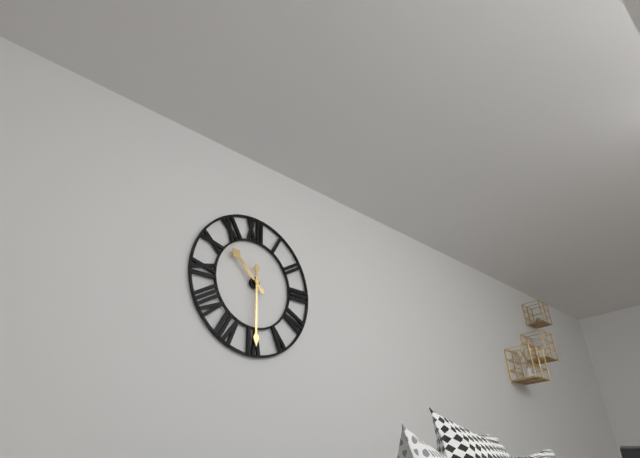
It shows h=10 m=30
